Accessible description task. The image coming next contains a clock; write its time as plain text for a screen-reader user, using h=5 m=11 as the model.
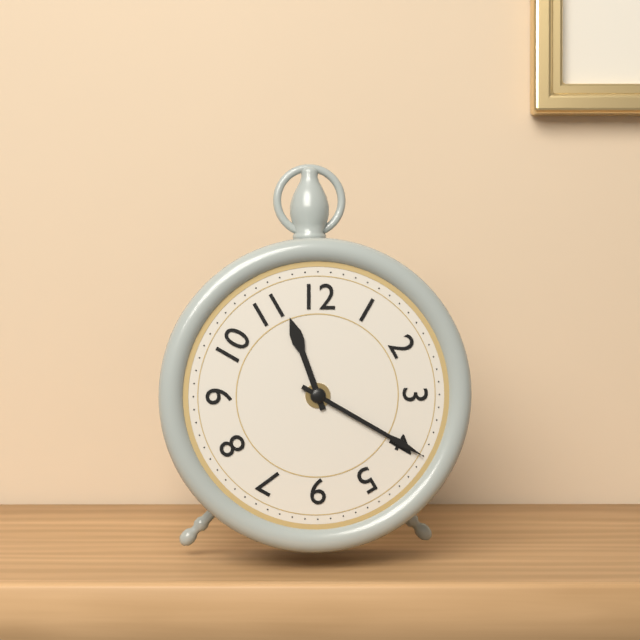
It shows h=11 m=20
